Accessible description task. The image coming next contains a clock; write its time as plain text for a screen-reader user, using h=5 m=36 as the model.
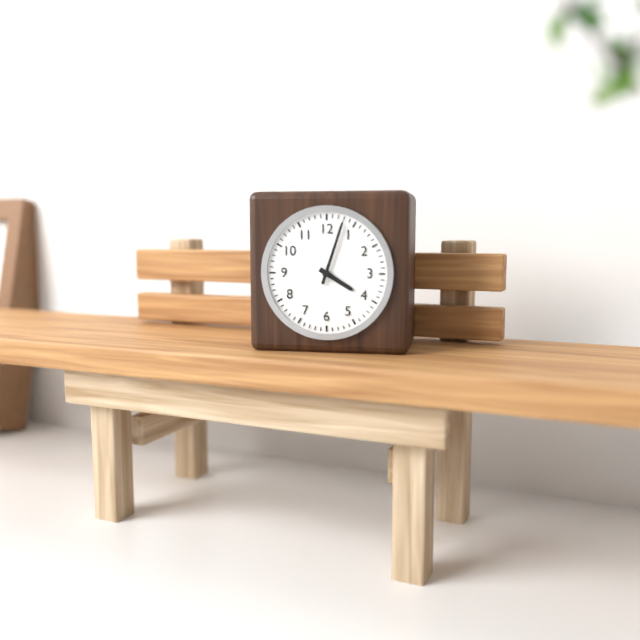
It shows h=4 m=3
